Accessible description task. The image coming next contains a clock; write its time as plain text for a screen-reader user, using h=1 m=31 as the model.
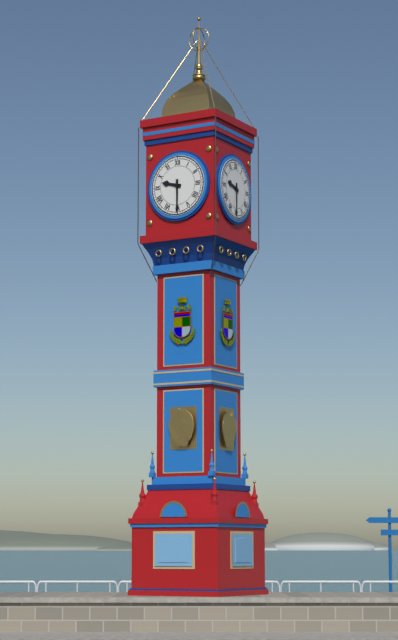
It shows h=9 m=30
